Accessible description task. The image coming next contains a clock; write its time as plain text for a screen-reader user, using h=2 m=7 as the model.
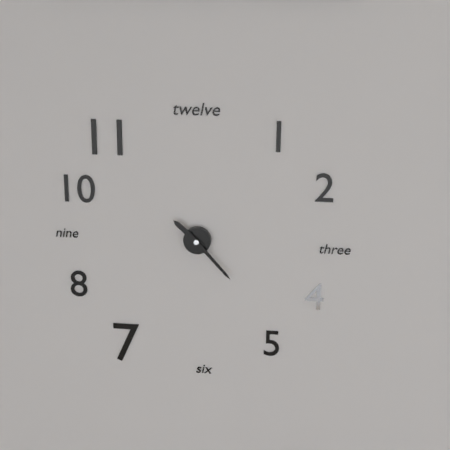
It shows h=10 m=23
